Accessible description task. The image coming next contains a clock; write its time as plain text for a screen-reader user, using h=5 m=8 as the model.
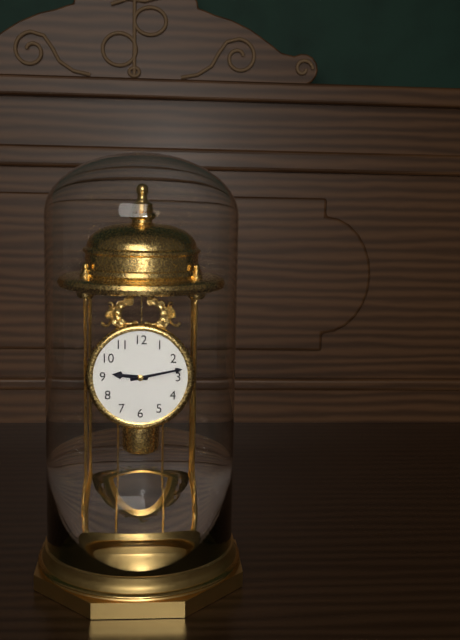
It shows h=9 m=13
